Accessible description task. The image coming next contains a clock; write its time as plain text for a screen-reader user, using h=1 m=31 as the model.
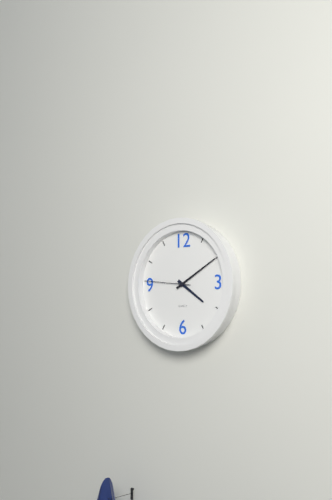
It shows h=4 m=10
